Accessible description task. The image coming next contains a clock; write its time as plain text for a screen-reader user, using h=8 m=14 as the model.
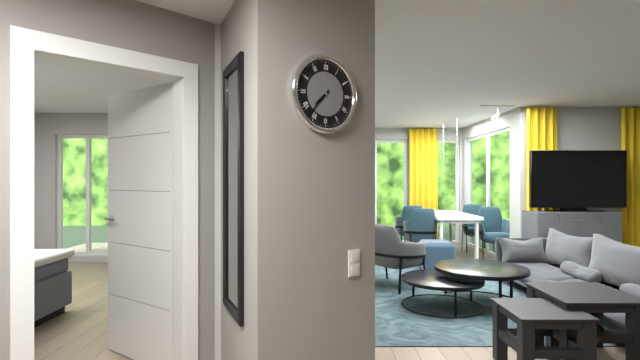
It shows h=7 m=37
